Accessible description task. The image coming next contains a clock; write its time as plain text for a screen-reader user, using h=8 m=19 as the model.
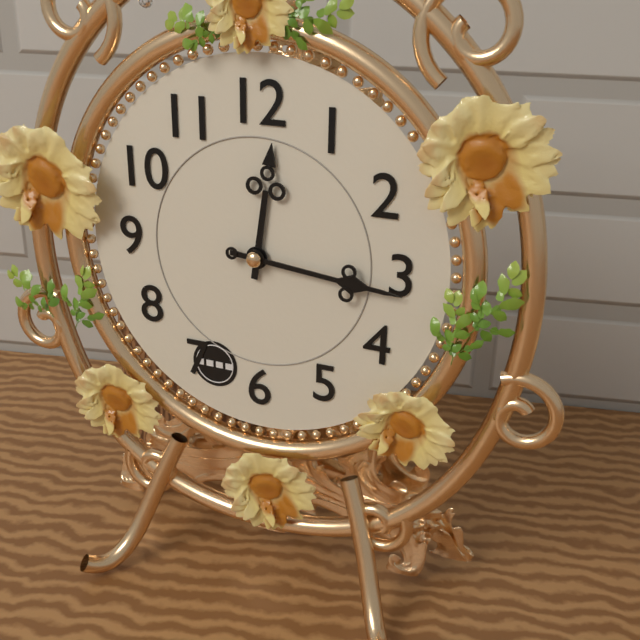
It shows h=12 m=16
